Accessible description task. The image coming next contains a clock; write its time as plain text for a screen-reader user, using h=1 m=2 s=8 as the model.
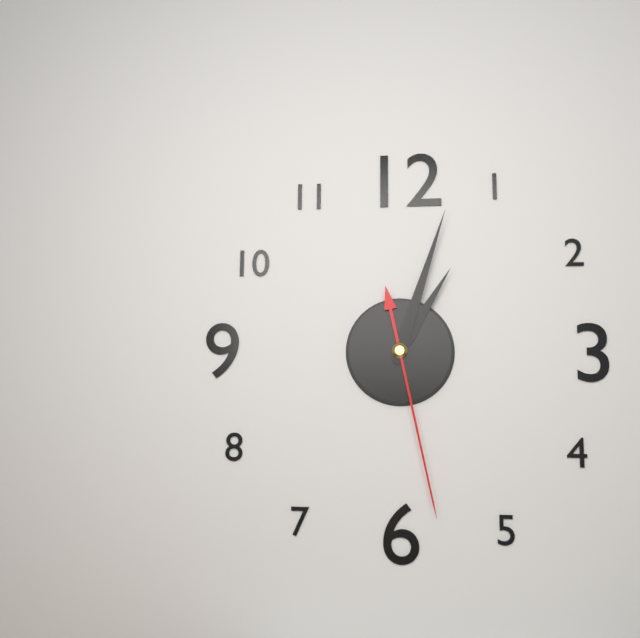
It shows h=1 m=3 s=28
